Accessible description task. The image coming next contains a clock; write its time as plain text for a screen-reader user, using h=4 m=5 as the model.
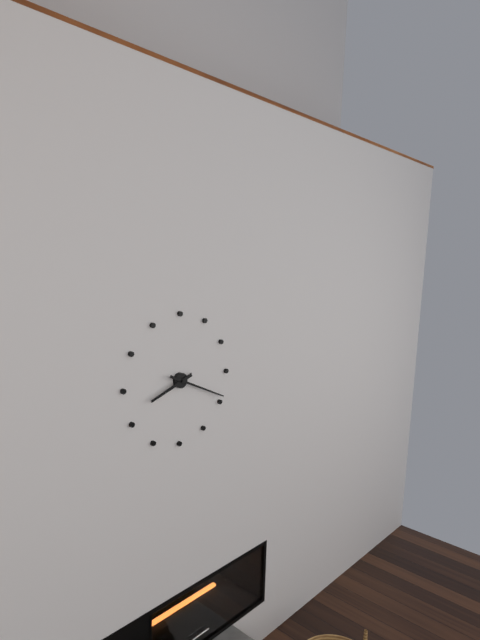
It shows h=8 m=19
